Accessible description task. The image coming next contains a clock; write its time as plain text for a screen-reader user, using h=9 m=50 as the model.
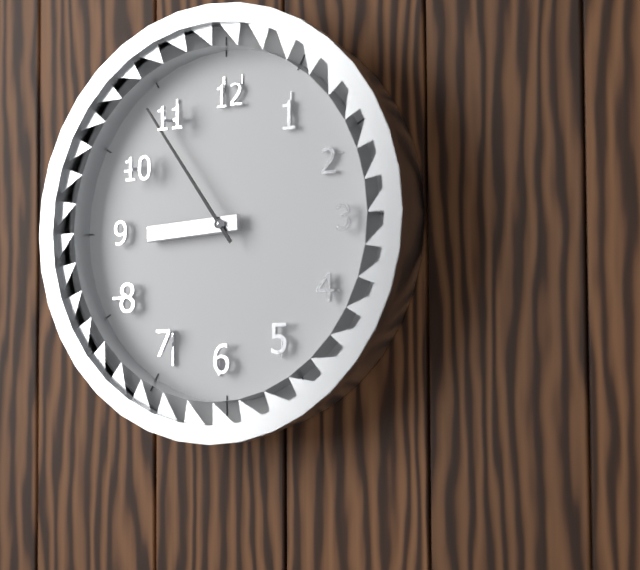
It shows h=8 m=54
